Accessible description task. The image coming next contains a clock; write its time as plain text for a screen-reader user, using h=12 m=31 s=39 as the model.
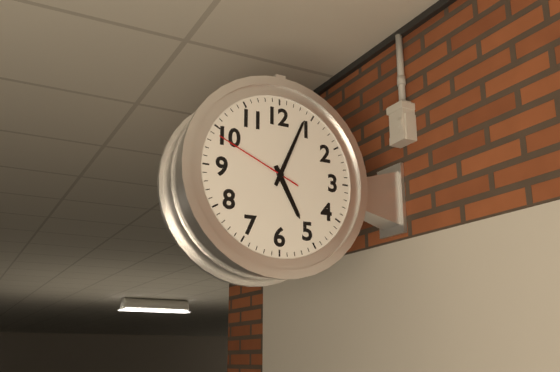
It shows h=5 m=4 s=49
